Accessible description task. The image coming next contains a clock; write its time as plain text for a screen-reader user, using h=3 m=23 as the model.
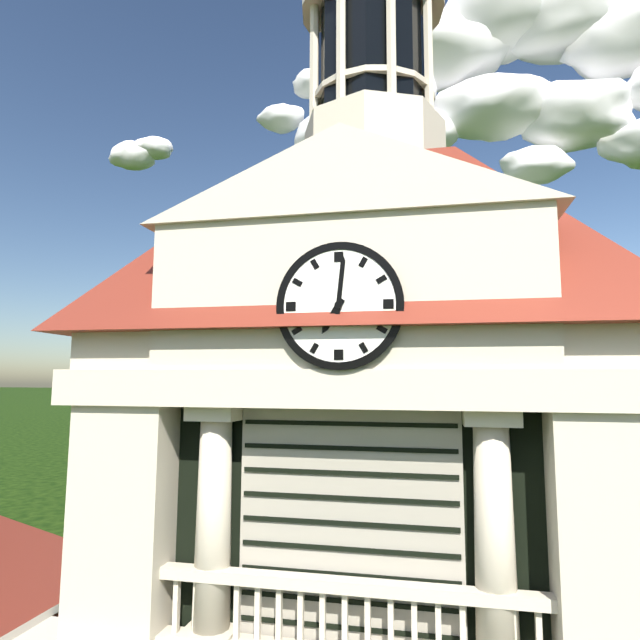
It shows h=7 m=1
